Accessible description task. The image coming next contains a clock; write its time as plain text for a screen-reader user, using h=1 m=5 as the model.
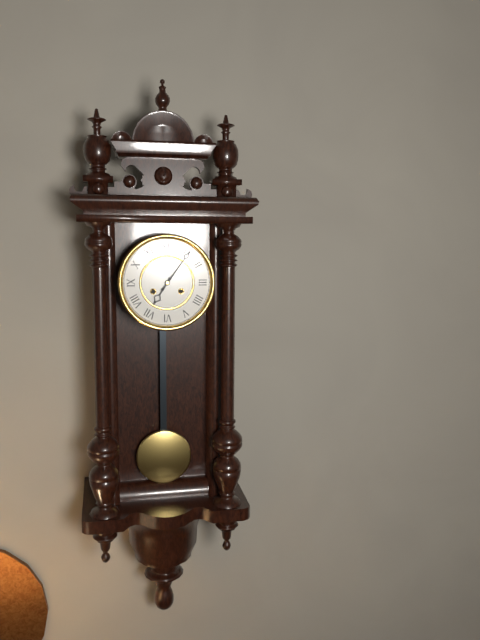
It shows h=7 m=6
